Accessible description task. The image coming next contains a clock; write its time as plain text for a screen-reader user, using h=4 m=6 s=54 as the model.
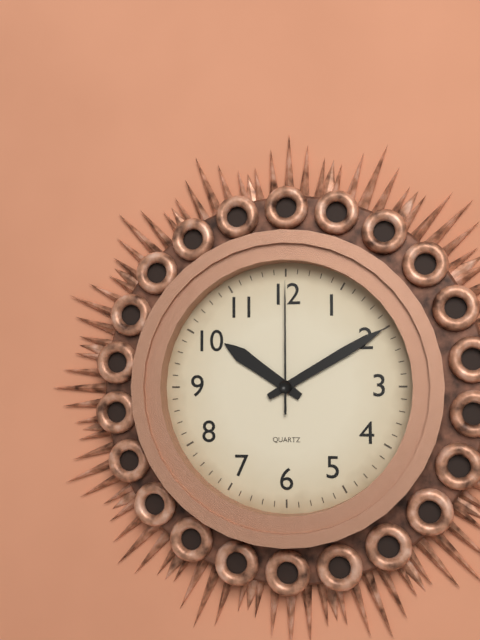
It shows h=10 m=10 s=0
